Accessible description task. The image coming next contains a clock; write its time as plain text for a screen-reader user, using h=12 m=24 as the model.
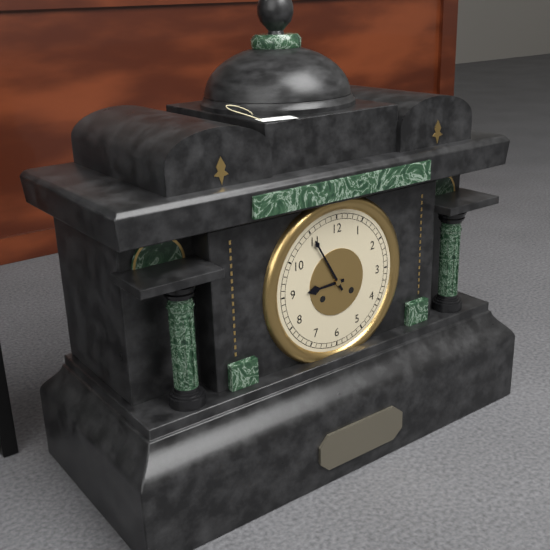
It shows h=8 m=55
